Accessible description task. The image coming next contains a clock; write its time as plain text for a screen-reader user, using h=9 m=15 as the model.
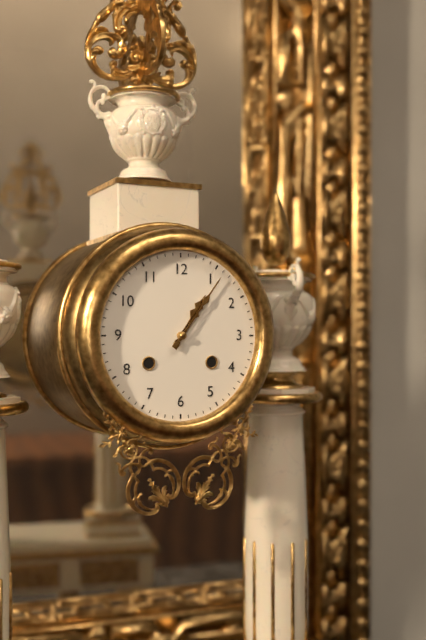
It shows h=1 m=6
